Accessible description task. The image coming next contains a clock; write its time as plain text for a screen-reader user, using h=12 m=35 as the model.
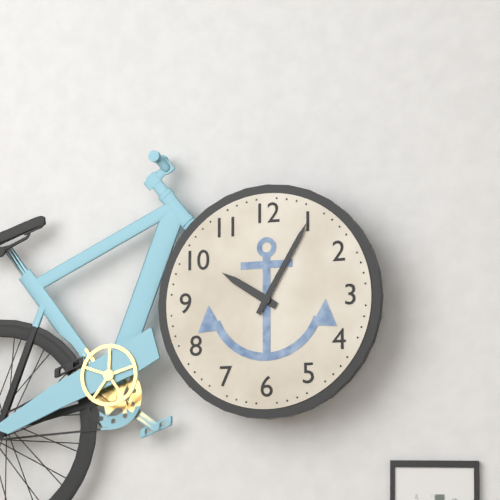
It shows h=10 m=5
